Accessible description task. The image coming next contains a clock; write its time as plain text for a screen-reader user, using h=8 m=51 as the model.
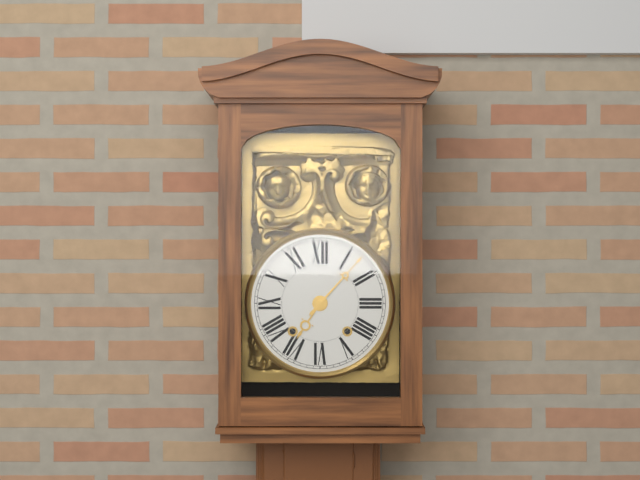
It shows h=7 m=7
